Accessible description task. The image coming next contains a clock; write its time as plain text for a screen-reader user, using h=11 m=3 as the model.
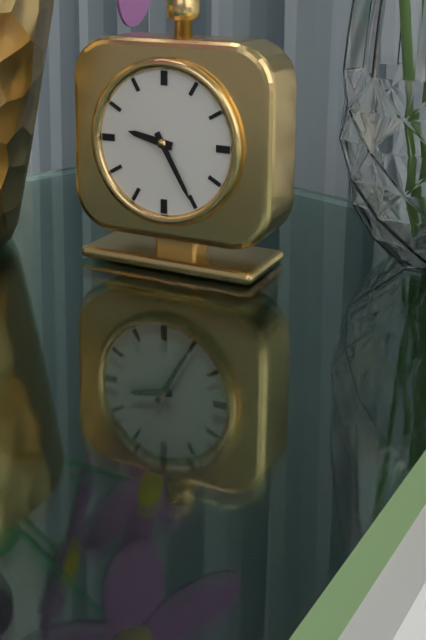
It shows h=9 m=25
